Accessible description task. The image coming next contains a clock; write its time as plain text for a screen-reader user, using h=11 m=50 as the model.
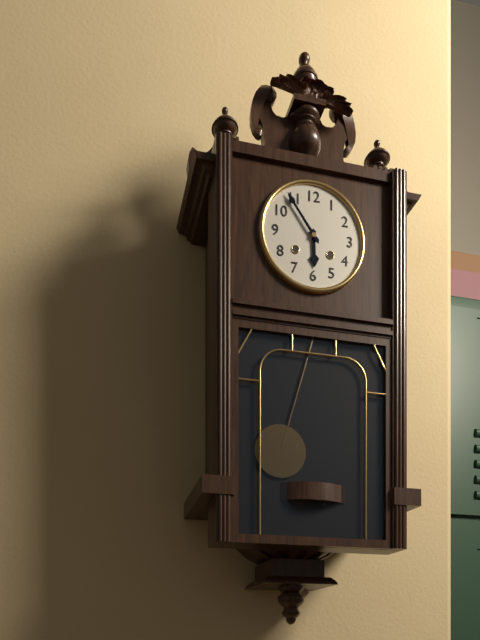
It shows h=5 m=54
